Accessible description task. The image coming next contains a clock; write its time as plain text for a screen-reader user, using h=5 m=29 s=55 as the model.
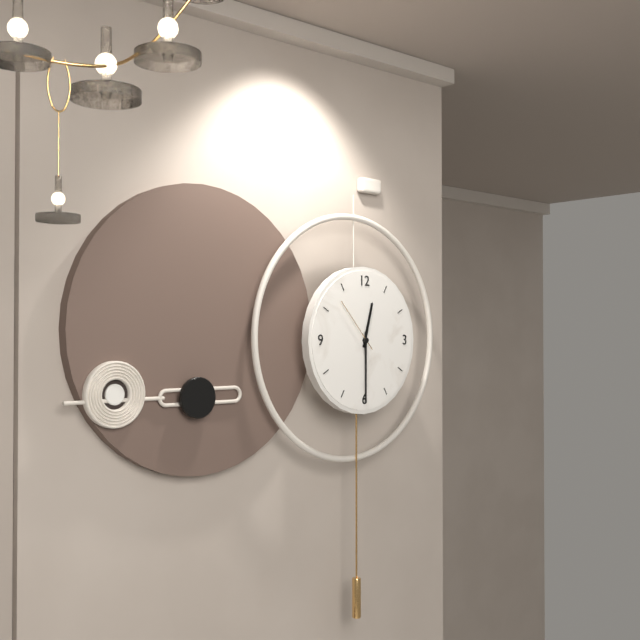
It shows h=12 m=30 s=53
